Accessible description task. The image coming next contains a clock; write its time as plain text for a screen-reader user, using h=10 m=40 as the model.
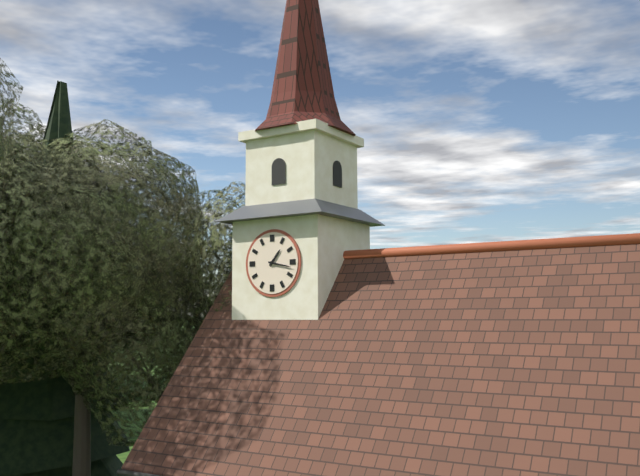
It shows h=1 m=17
